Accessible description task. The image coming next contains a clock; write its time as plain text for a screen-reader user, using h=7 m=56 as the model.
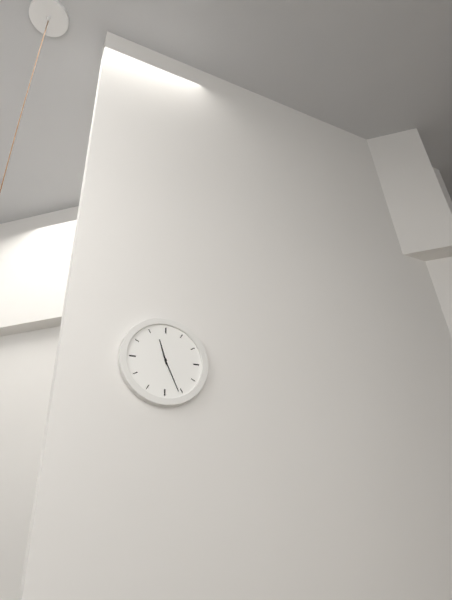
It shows h=11 m=26
